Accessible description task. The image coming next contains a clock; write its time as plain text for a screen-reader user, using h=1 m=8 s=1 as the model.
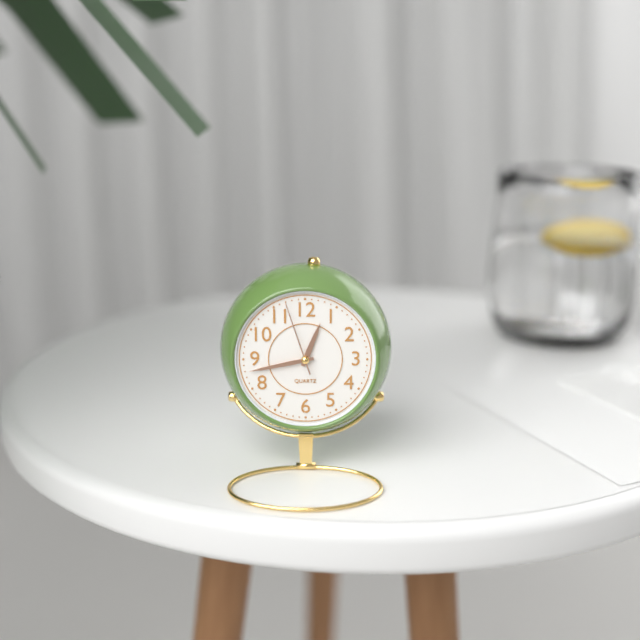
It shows h=12 m=43 s=57
